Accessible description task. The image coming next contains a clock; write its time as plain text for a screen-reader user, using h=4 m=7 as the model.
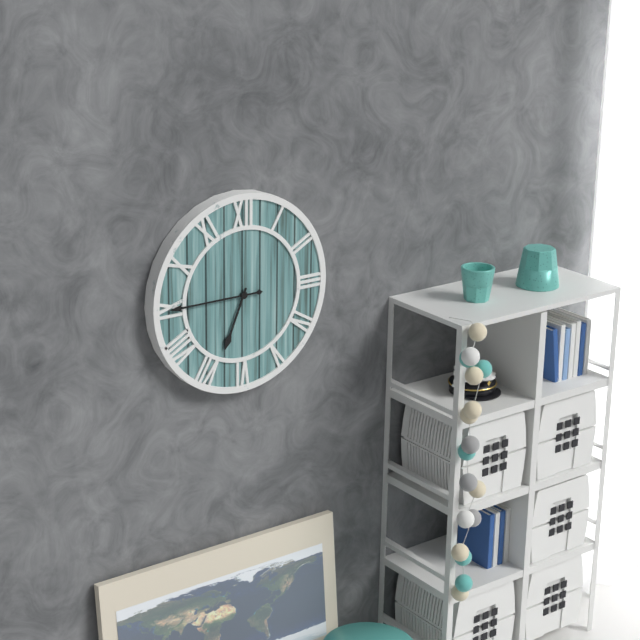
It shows h=6 m=45
